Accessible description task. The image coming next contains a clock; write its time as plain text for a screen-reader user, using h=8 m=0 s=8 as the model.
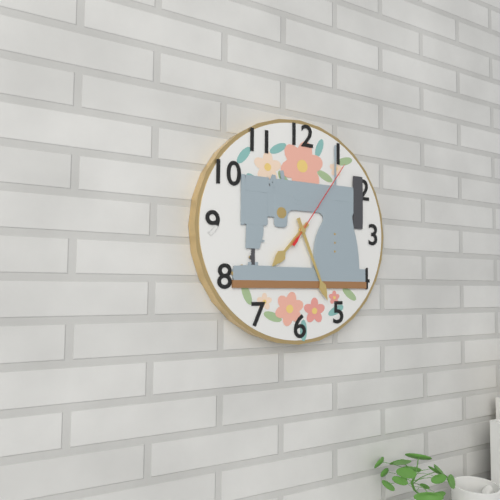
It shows h=7 m=26 s=6
